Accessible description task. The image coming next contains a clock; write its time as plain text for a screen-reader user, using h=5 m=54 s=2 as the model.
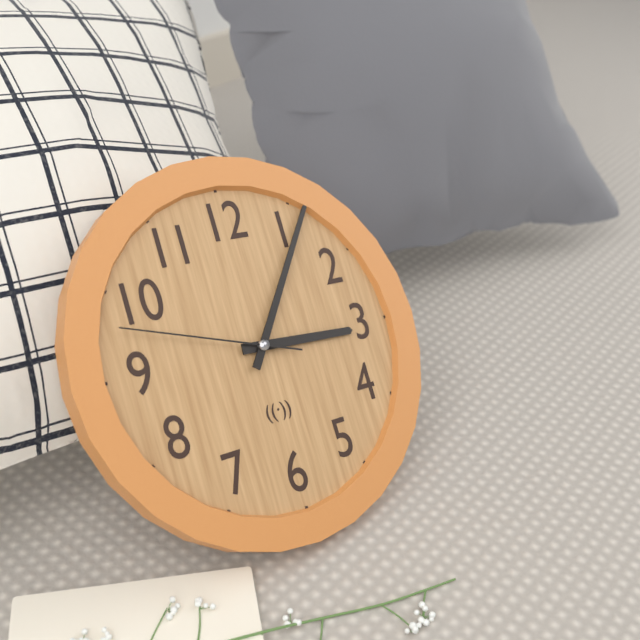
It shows h=3 m=6 s=48
